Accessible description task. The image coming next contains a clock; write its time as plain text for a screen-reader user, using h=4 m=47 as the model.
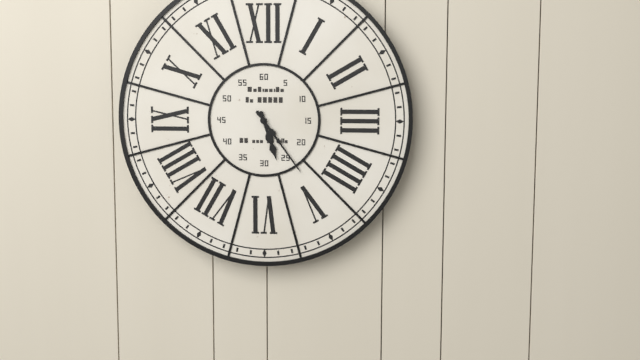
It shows h=5 m=24
